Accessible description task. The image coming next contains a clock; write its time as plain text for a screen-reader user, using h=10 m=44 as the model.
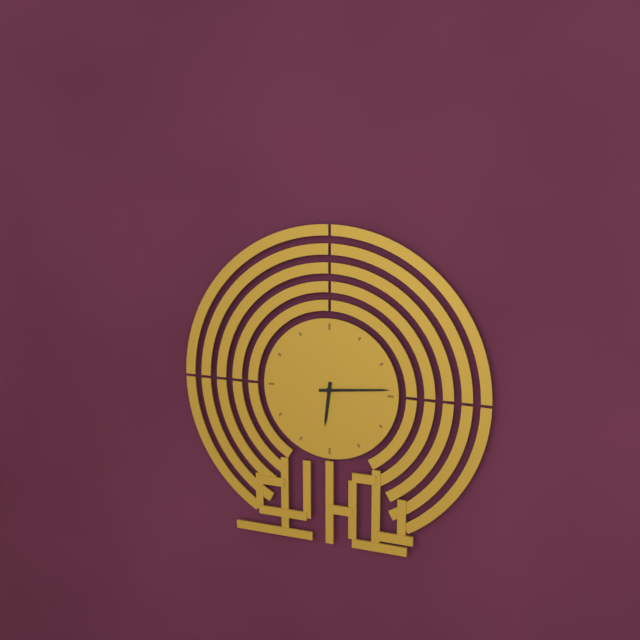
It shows h=6 m=14
